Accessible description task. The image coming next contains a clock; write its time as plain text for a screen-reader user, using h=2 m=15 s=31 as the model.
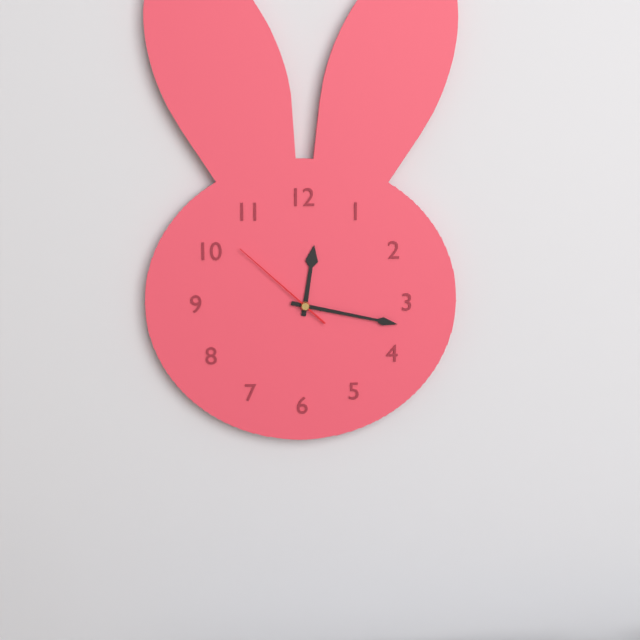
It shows h=12 m=17 s=52
